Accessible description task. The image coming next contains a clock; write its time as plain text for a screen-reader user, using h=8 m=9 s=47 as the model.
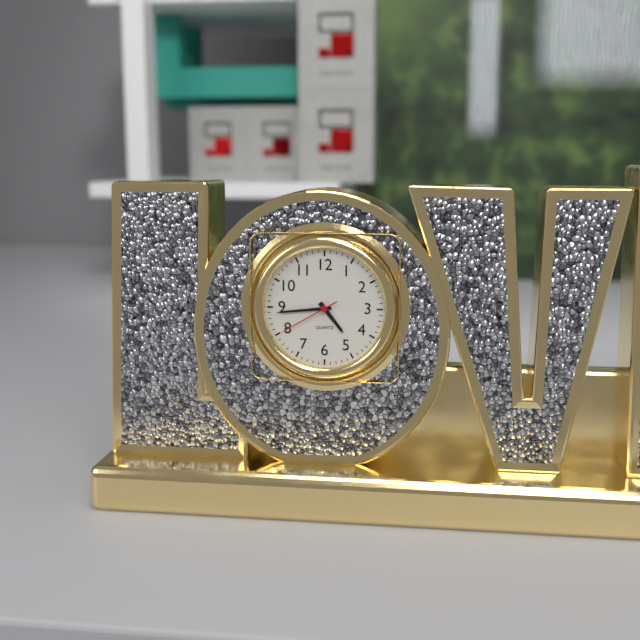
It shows h=4 m=44 s=40
